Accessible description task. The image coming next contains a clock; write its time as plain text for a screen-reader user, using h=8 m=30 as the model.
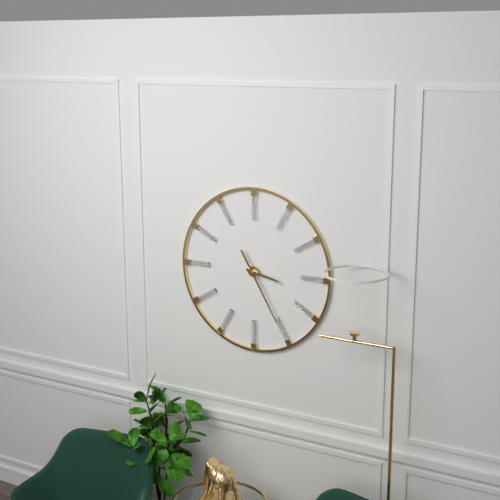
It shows h=3 m=25
